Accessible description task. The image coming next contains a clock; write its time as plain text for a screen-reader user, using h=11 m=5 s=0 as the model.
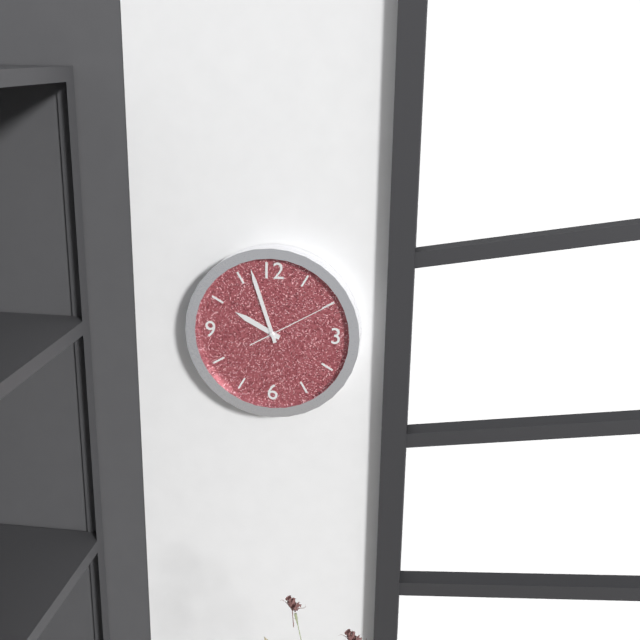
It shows h=9 m=57 s=10
